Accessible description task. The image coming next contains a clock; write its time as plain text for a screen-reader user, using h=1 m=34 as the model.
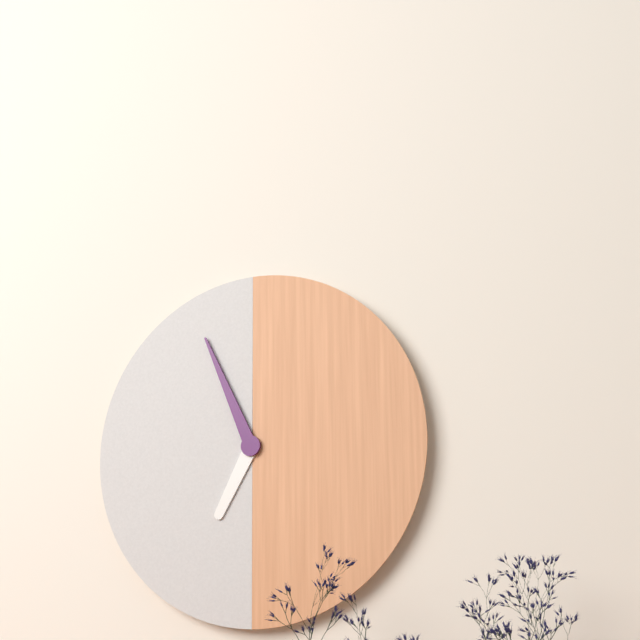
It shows h=6 m=56
